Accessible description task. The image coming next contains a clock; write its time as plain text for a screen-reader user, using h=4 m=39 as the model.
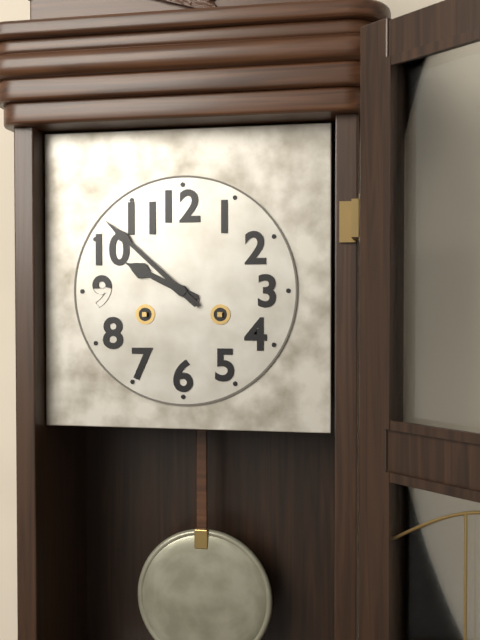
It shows h=9 m=52
